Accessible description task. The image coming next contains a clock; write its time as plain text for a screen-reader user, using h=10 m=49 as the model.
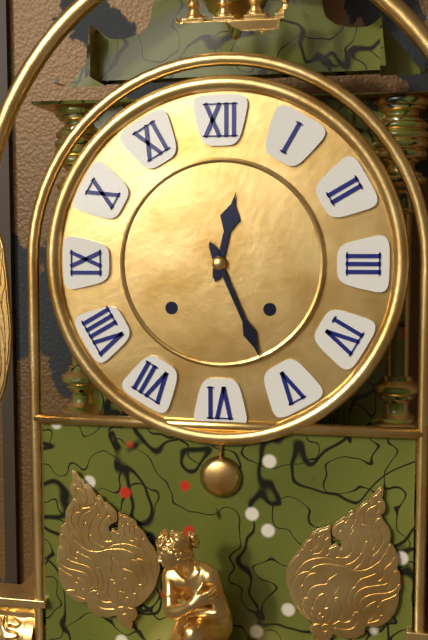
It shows h=12 m=26
